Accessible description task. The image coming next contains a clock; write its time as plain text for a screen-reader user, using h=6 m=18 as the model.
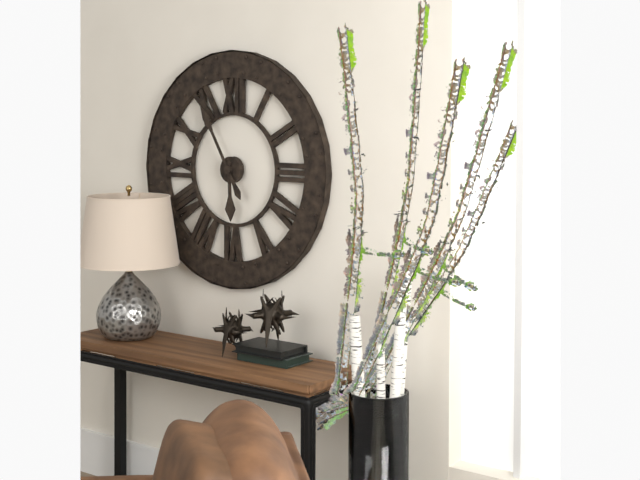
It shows h=5 m=55
